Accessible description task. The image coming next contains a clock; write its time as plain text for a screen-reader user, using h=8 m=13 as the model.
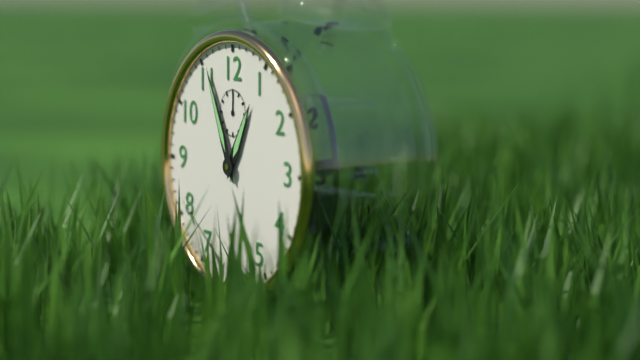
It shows h=12 m=56
